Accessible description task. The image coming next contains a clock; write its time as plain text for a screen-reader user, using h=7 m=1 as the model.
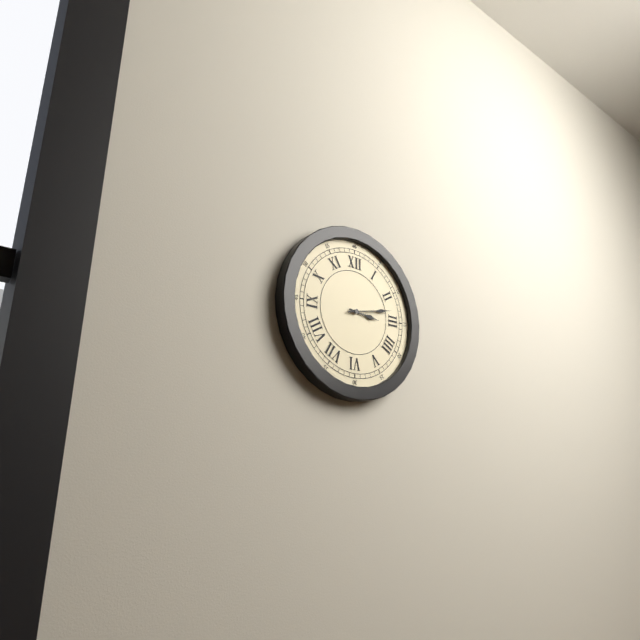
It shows h=3 m=13
